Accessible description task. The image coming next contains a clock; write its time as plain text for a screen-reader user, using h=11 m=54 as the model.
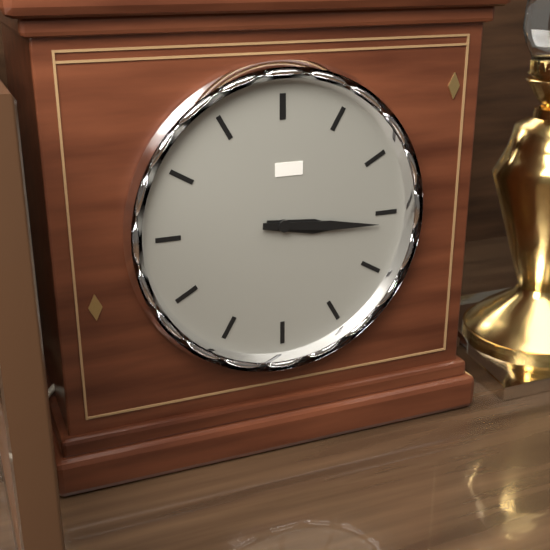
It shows h=3 m=16
